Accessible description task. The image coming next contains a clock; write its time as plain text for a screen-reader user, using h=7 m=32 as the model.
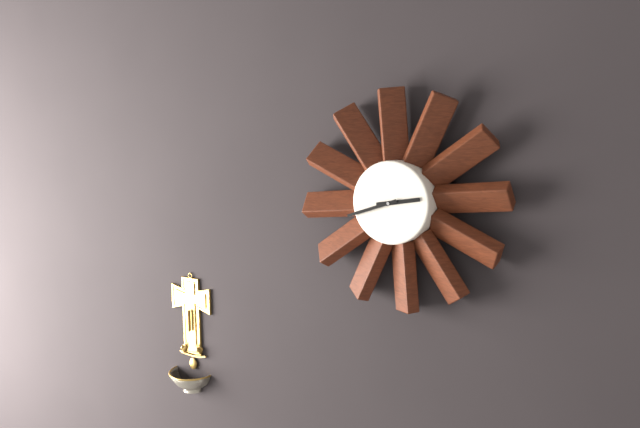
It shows h=2 m=42
